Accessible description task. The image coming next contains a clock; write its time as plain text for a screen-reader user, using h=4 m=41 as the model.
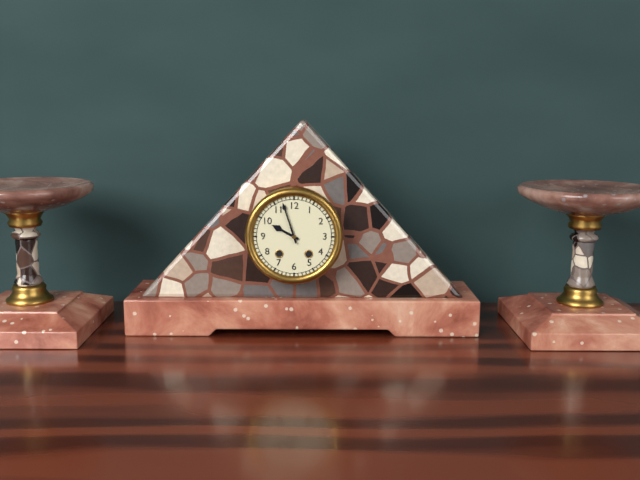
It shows h=9 m=57
